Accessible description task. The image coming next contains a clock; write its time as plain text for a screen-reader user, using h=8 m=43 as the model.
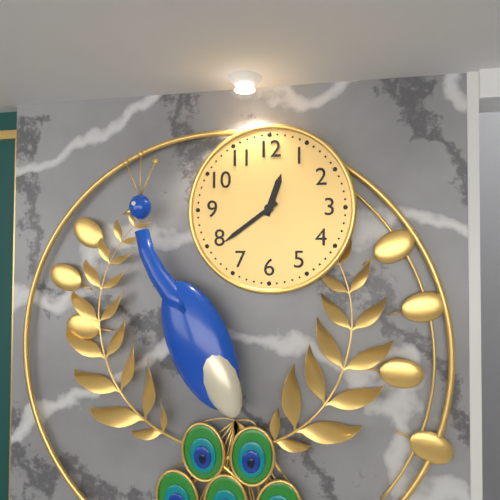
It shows h=12 m=39
